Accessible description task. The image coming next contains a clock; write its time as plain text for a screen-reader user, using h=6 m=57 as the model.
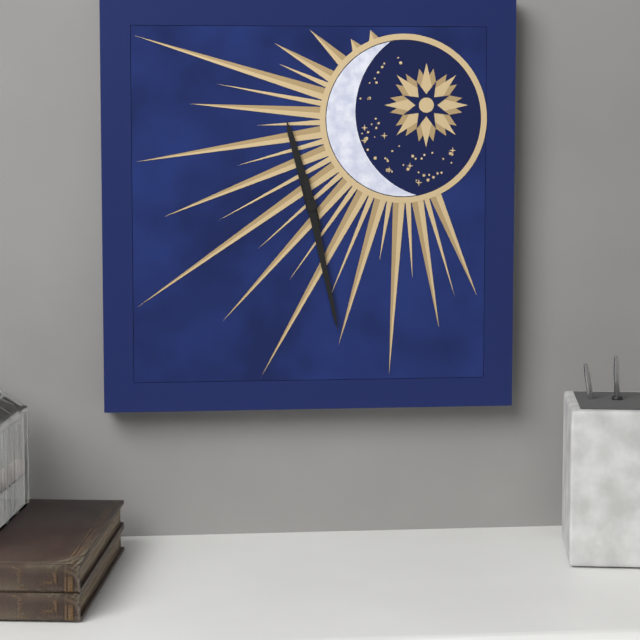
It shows h=11 m=28
